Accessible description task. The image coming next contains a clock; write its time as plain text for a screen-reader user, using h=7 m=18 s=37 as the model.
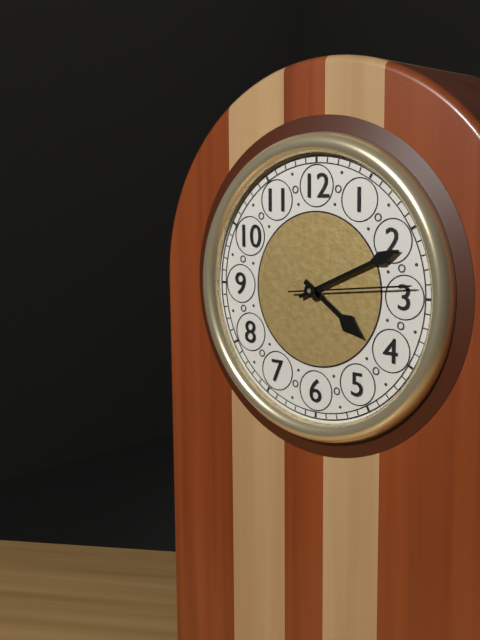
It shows h=4 m=11 s=14
